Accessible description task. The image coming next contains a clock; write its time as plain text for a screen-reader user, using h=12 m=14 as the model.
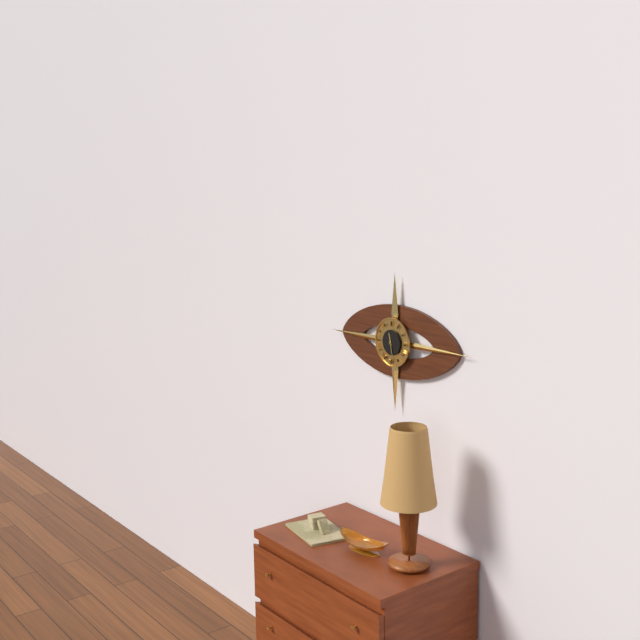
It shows h=11 m=28
